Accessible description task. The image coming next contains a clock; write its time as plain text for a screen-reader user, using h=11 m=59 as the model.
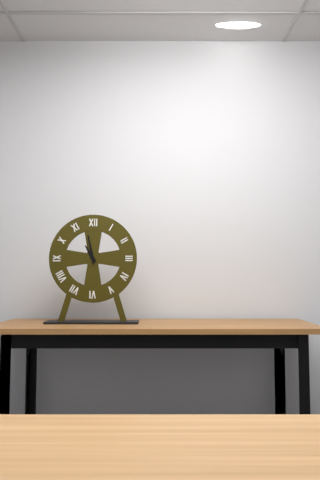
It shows h=10 m=58
